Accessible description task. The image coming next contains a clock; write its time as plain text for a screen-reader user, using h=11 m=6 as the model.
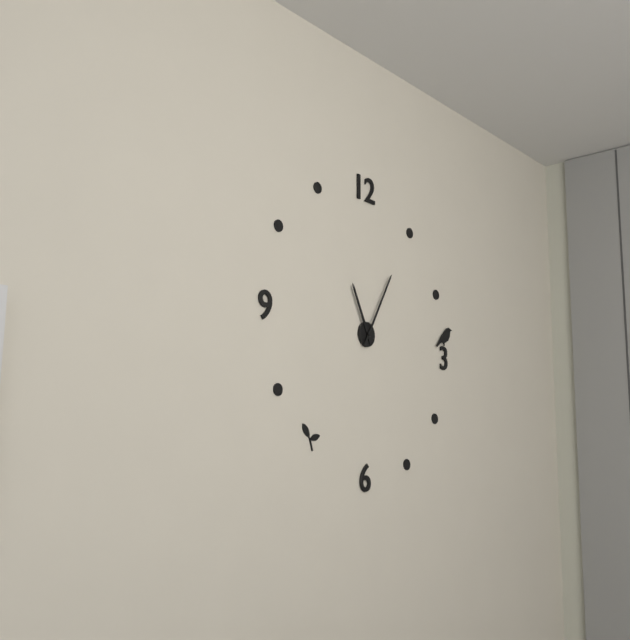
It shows h=11 m=5
